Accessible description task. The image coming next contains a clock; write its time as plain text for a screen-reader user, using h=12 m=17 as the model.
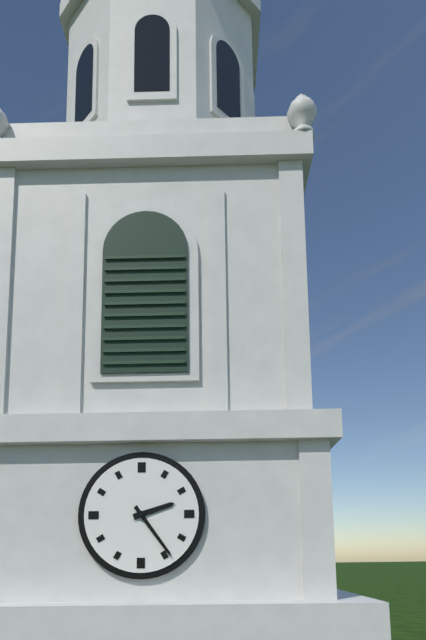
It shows h=2 m=24
